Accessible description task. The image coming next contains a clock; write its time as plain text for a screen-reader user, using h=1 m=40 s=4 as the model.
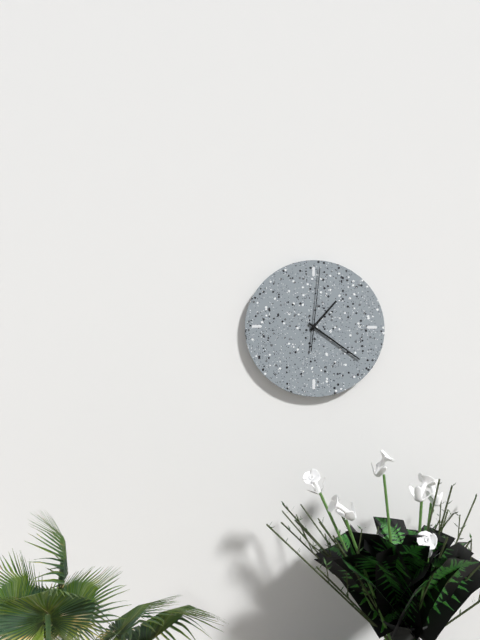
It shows h=1 m=21 s=1
